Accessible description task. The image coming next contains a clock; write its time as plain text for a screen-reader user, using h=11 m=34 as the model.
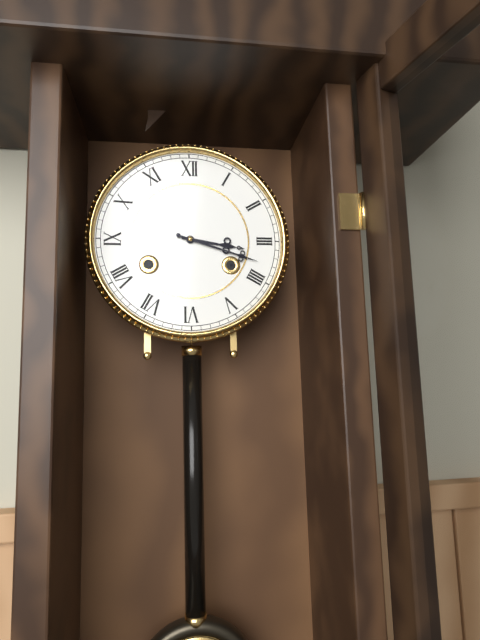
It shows h=3 m=18
